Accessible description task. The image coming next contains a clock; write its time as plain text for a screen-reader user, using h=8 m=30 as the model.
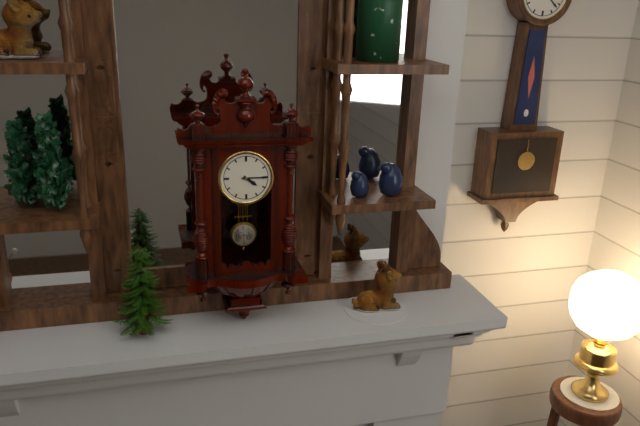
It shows h=4 m=15
